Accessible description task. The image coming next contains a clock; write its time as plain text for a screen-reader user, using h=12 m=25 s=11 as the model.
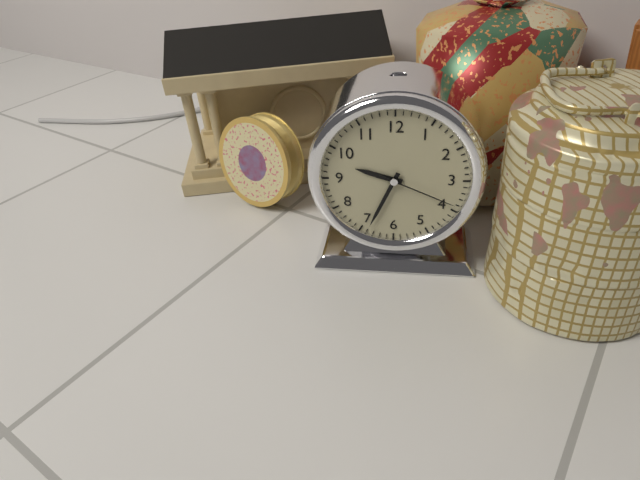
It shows h=9 m=34 s=19
